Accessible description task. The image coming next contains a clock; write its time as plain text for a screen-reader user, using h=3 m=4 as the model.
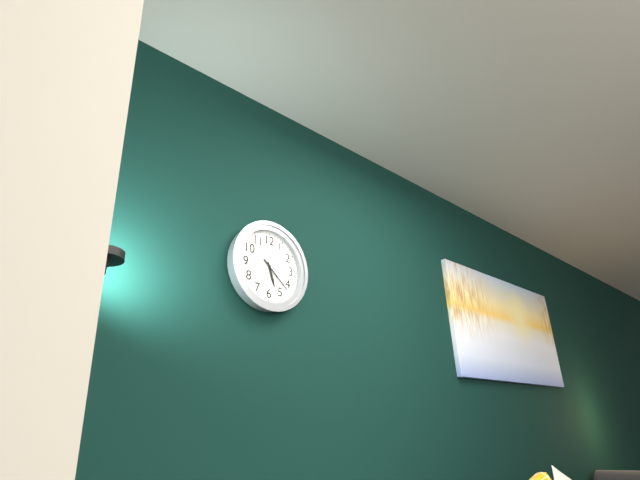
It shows h=5 m=22
